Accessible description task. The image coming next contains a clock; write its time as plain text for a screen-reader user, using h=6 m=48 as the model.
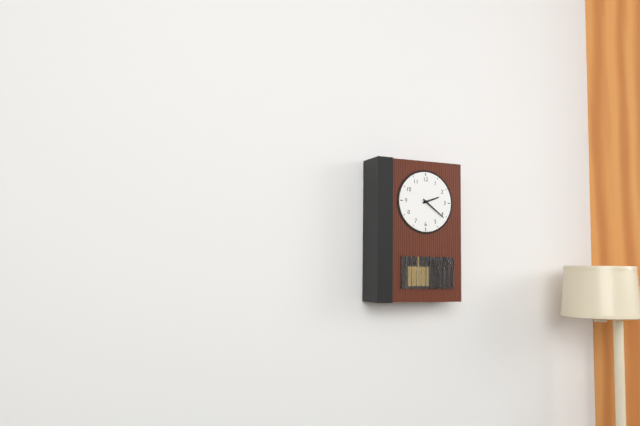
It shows h=2 m=21
